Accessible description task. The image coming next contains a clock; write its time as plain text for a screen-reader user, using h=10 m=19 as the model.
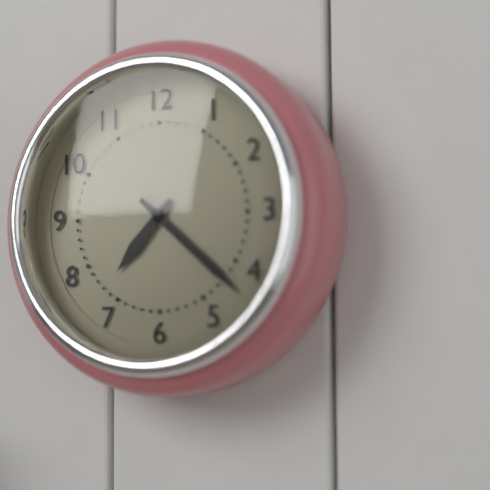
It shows h=7 m=22
